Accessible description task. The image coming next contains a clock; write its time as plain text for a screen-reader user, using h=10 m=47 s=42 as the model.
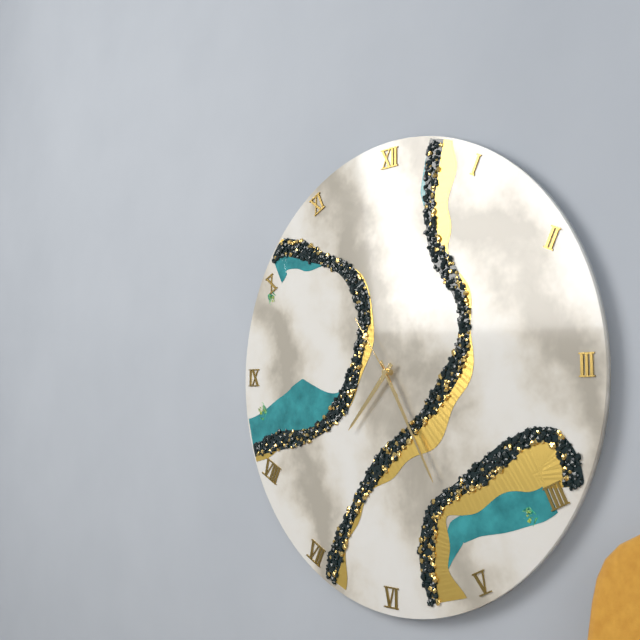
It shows h=7 m=25 s=54
